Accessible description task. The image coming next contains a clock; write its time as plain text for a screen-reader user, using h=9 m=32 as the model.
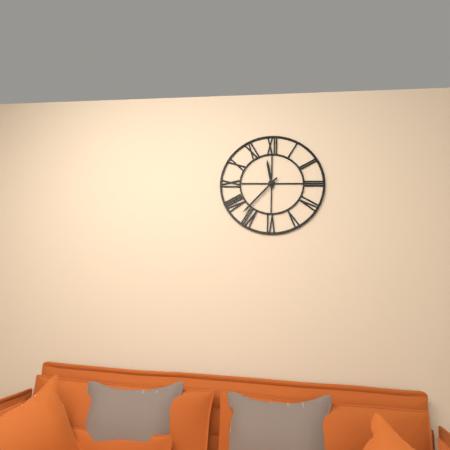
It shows h=11 m=37
